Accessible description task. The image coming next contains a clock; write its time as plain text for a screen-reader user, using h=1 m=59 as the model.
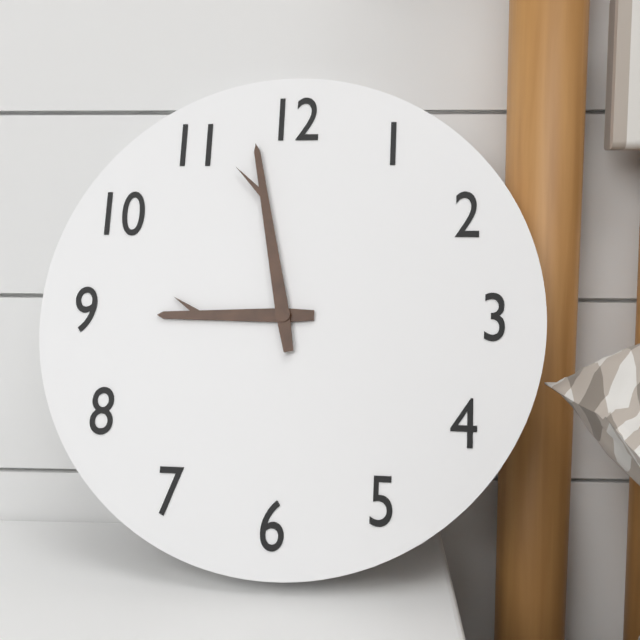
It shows h=8 m=58
